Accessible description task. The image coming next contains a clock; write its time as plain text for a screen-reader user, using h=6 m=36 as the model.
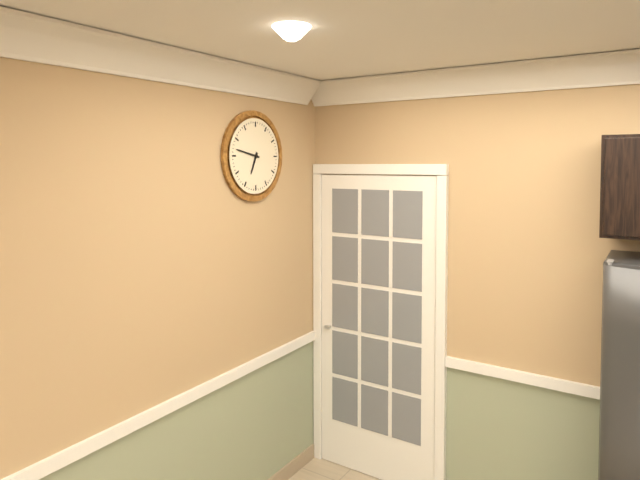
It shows h=6 m=47
